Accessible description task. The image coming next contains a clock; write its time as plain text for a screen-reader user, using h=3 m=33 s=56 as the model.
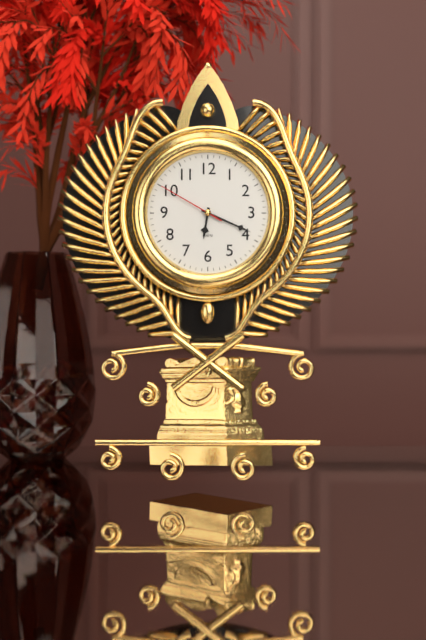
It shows h=6 m=19 s=50
